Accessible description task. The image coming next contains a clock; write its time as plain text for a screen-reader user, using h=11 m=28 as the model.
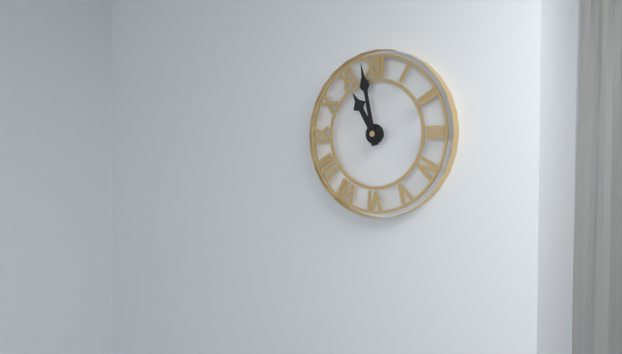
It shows h=10 m=58
